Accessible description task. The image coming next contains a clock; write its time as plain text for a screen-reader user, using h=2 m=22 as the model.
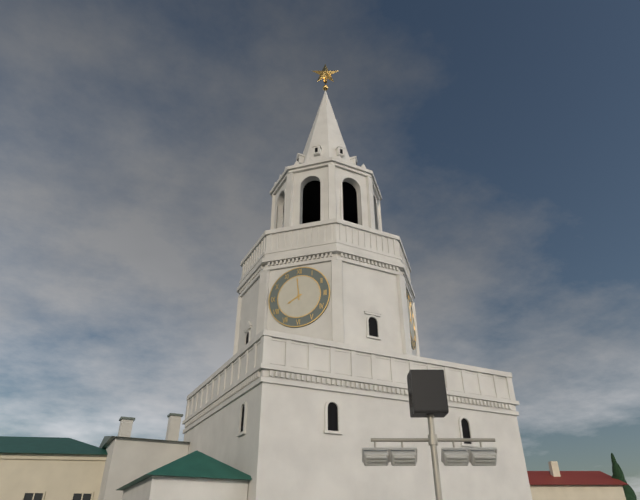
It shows h=7 m=59
